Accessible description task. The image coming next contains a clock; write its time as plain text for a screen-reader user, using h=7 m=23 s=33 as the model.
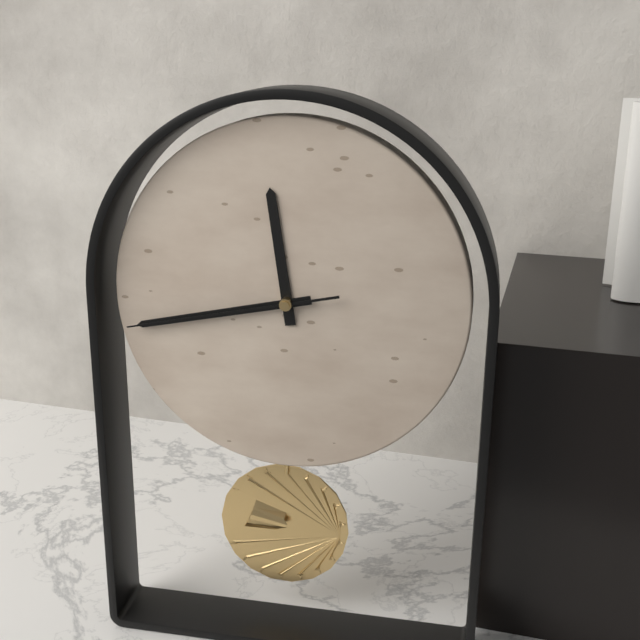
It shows h=11 m=43 s=43
